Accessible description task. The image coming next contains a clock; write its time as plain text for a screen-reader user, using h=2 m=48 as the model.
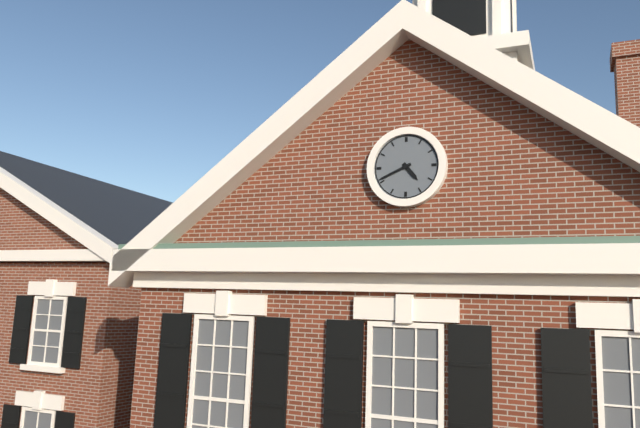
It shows h=4 m=41
